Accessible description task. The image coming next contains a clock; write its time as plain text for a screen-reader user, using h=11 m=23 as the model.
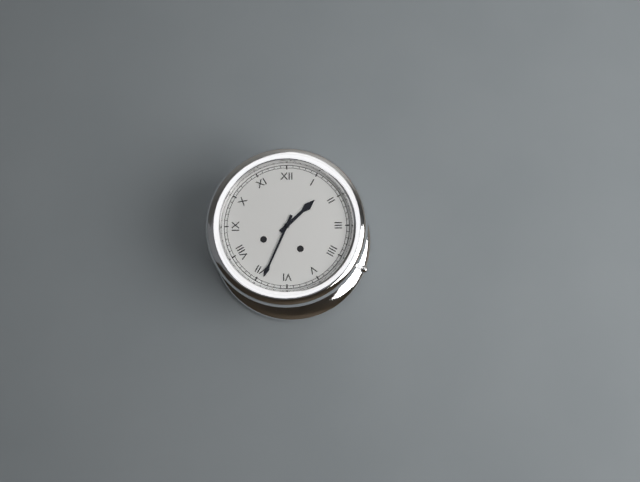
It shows h=1 m=34
